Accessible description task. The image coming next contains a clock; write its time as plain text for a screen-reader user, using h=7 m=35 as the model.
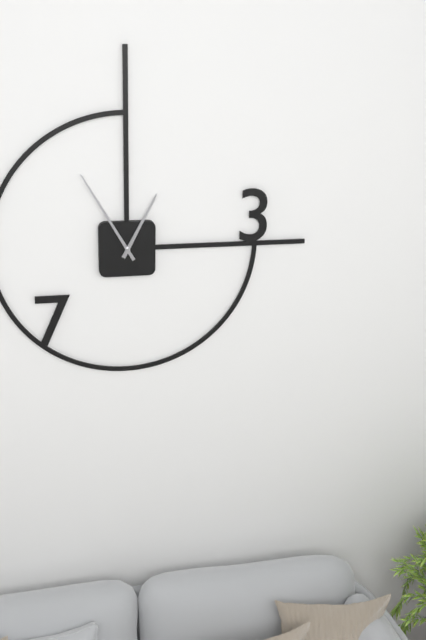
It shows h=12 m=55
